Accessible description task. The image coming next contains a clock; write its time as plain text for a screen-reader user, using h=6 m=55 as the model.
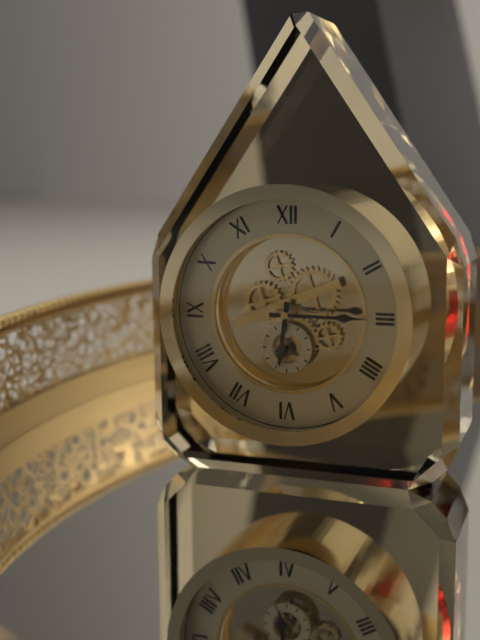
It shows h=6 m=15
